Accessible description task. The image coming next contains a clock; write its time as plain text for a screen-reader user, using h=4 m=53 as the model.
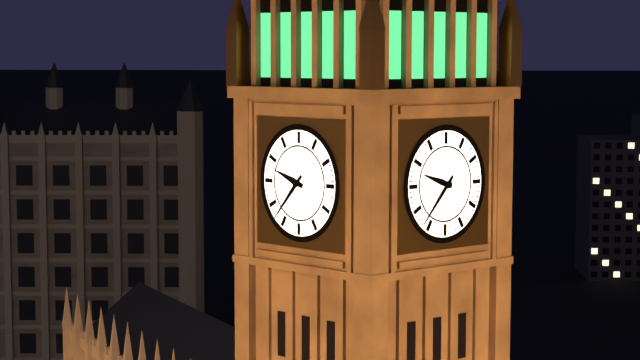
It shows h=9 m=37
